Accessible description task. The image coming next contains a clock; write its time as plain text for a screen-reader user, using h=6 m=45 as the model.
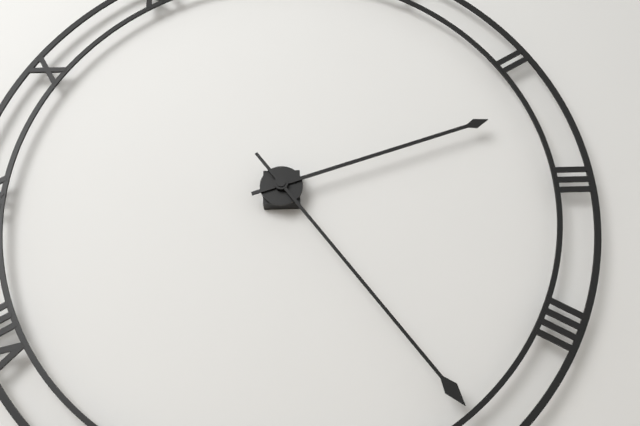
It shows h=2 m=24
